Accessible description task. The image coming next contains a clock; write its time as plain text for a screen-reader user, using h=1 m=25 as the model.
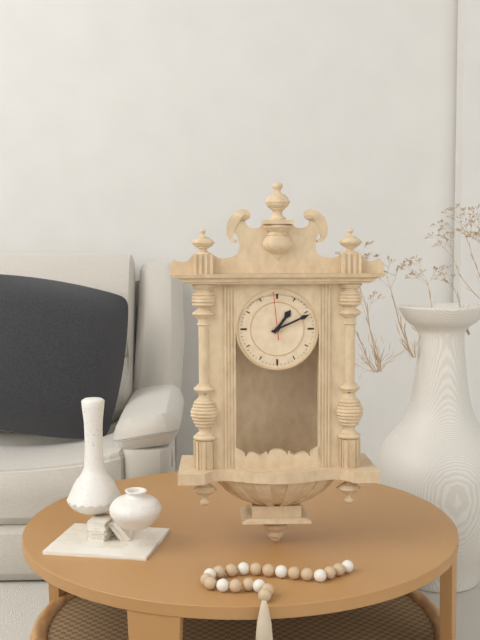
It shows h=1 m=11
